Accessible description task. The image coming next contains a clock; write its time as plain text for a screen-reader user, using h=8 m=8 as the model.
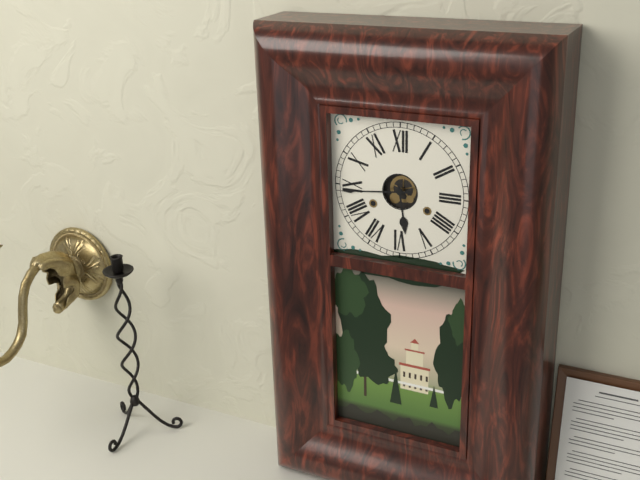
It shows h=5 m=44
